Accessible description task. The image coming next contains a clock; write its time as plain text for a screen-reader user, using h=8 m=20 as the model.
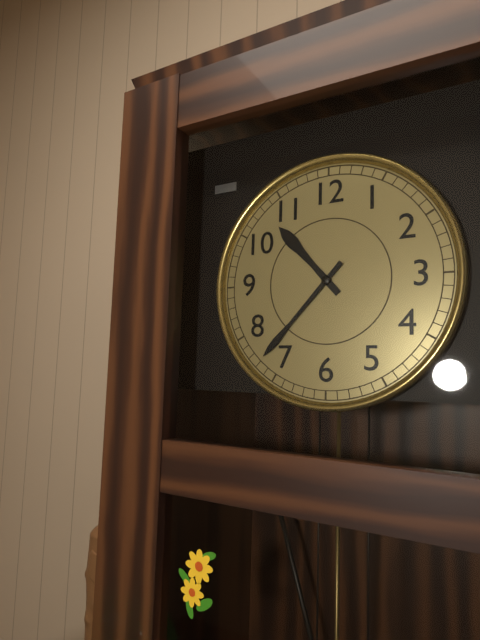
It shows h=10 m=37
